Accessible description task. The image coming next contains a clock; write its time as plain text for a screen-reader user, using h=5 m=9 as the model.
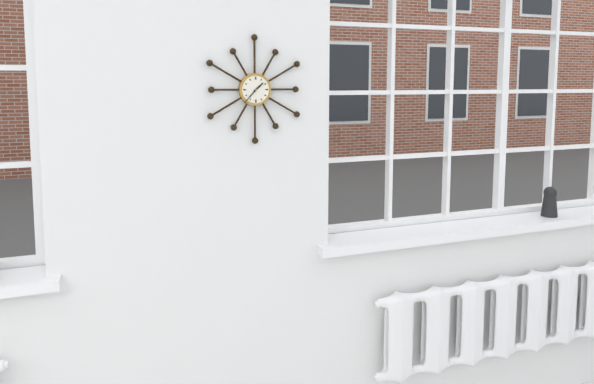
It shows h=1 m=37
